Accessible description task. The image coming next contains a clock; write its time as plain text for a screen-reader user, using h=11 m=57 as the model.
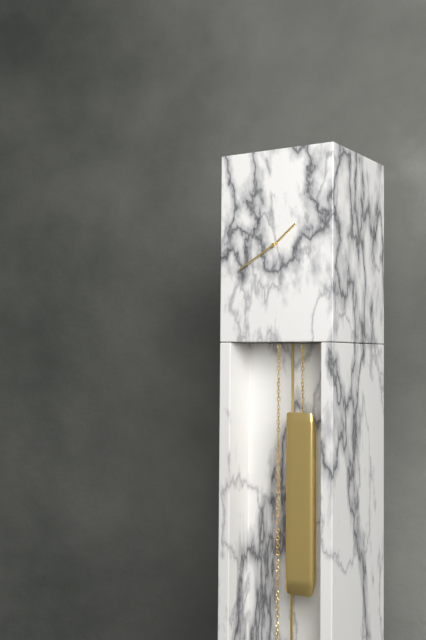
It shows h=1 m=40
